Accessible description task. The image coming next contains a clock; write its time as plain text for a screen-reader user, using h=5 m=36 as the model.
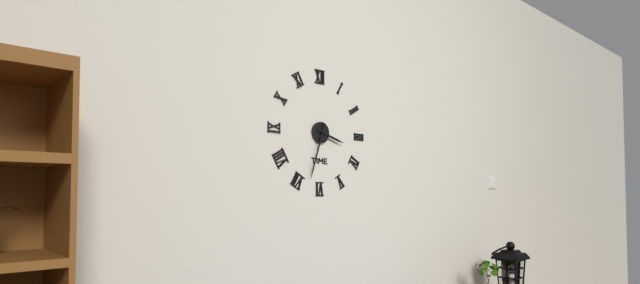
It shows h=3 m=33
